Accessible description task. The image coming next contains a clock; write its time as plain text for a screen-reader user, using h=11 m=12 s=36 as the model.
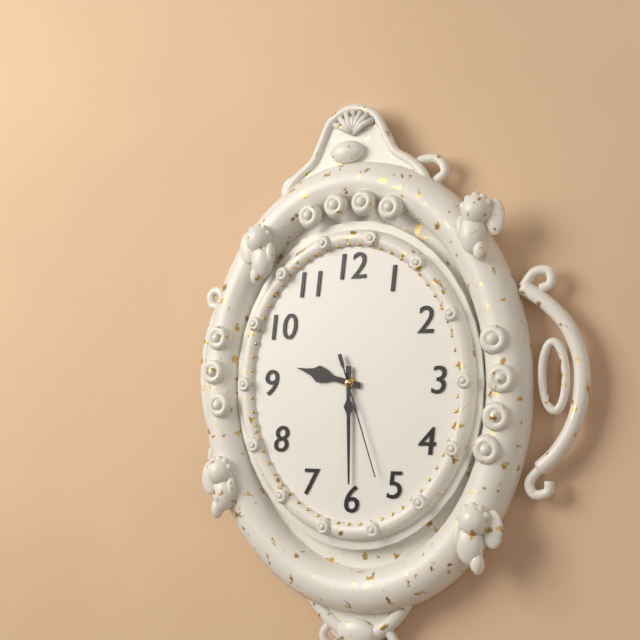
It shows h=9 m=30 s=27
